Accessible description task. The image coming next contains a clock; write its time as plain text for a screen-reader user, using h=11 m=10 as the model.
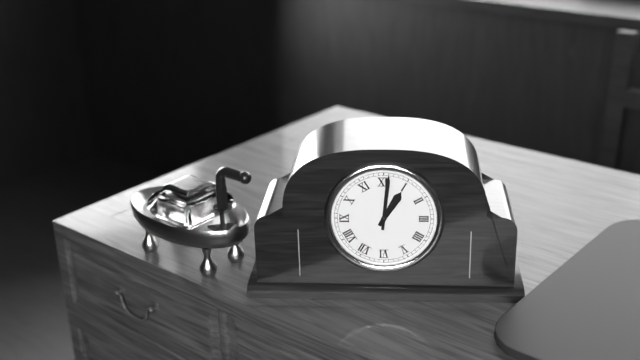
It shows h=1 m=1
